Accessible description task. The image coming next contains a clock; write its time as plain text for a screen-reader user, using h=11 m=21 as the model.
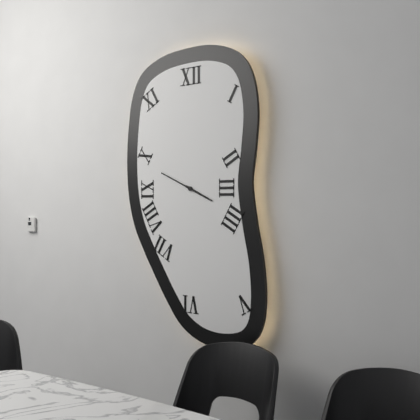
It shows h=3 m=49
